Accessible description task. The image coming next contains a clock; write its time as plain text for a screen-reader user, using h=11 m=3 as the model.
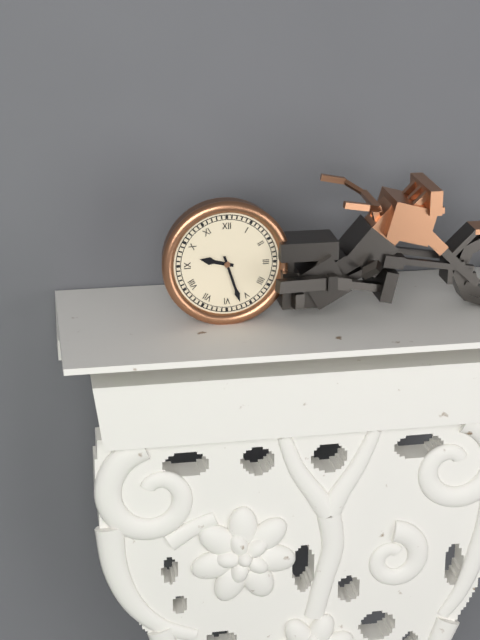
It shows h=9 m=27
